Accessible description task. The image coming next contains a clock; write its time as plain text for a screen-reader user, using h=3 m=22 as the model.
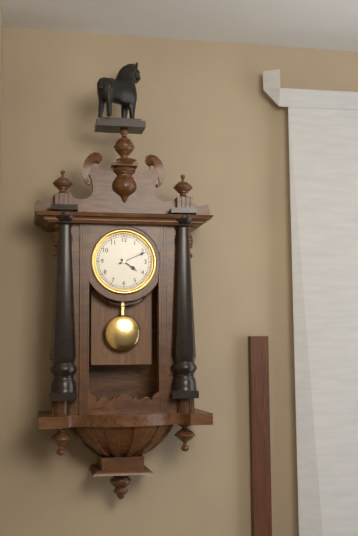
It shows h=4 m=11
